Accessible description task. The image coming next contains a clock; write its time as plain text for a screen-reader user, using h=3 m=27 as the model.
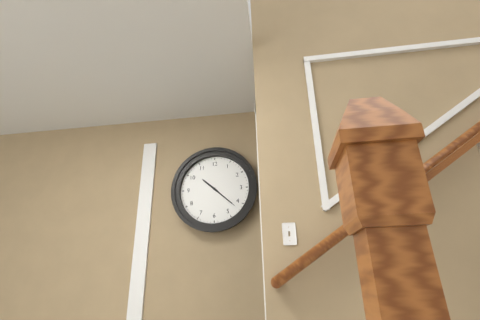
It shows h=10 m=22
